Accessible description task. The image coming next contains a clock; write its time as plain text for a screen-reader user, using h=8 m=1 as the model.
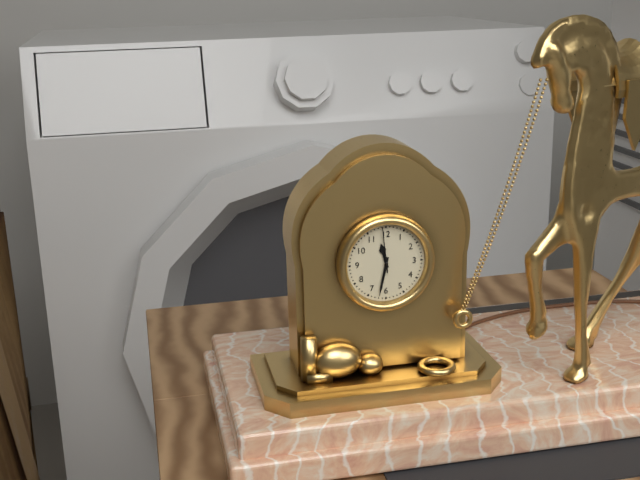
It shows h=11 m=32
